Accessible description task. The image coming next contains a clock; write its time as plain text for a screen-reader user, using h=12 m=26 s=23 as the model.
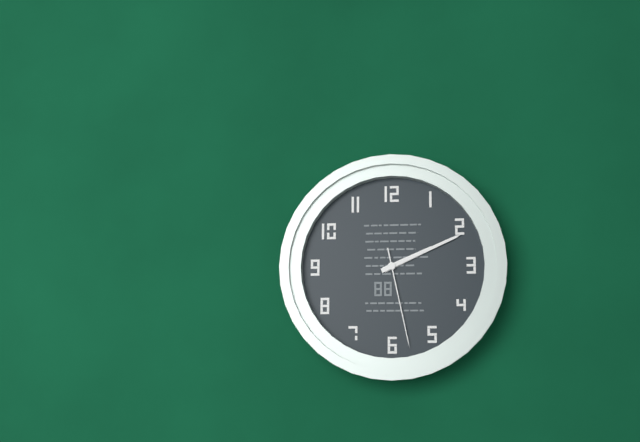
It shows h=2 m=11 s=28
